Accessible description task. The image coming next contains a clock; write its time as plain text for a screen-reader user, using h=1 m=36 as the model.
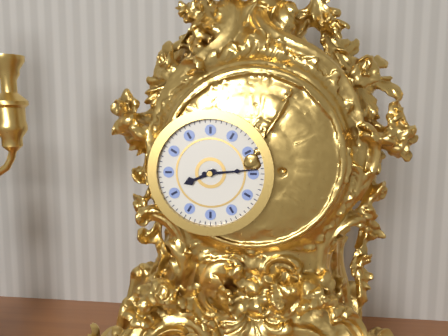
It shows h=8 m=14
